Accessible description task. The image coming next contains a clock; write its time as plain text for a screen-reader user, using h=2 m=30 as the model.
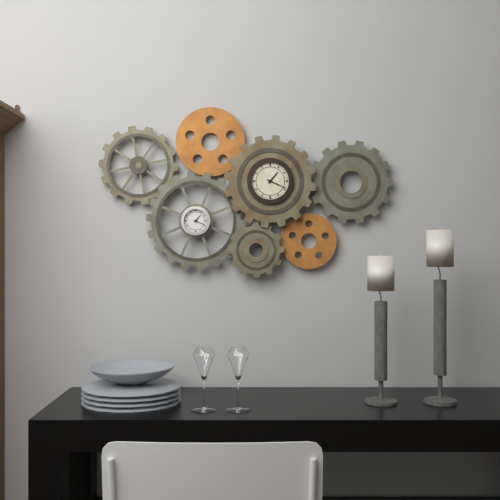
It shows h=1 m=19
